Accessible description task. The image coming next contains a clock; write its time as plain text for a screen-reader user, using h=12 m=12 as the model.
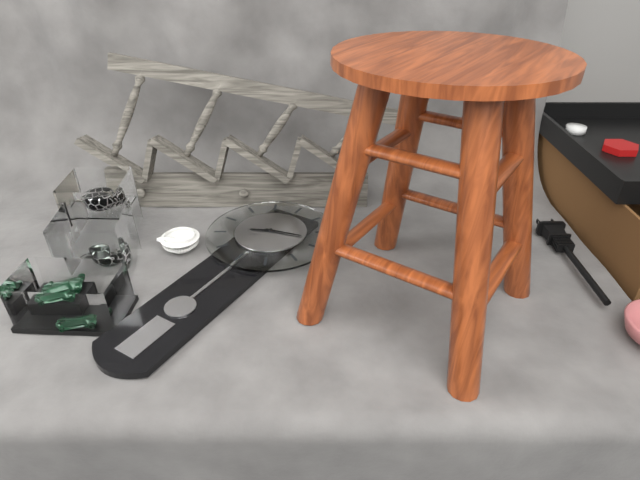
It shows h=8 m=13
